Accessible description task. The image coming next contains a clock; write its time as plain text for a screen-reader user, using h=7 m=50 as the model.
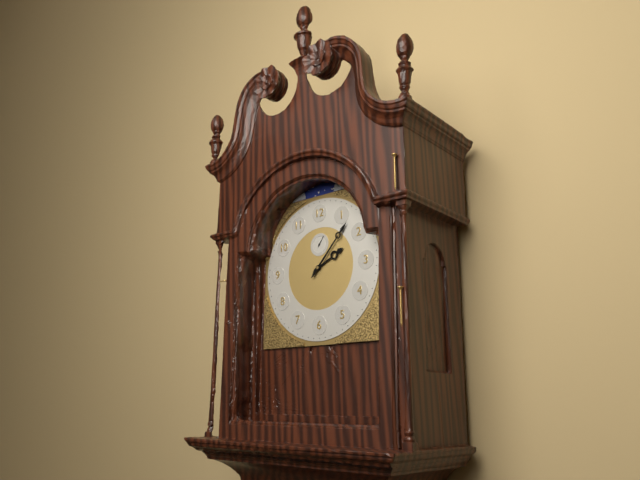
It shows h=2 m=7
